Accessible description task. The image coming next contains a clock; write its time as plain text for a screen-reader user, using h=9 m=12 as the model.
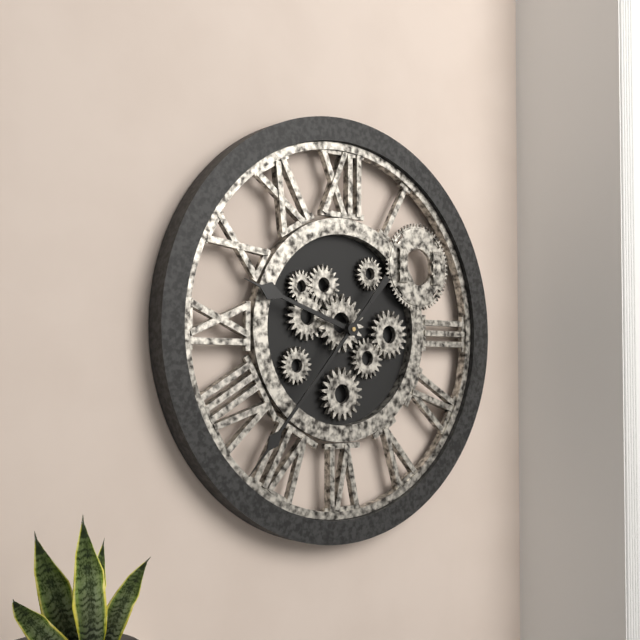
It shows h=9 m=37
